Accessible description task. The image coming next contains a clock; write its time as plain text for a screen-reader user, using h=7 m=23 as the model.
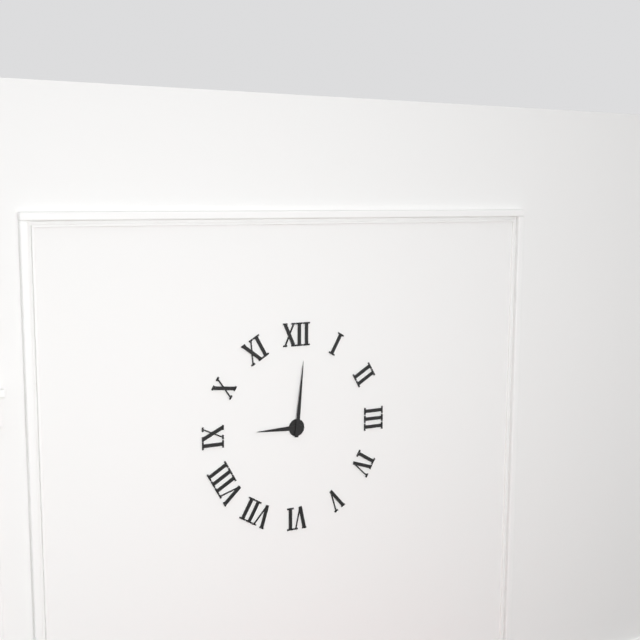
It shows h=9 m=1
